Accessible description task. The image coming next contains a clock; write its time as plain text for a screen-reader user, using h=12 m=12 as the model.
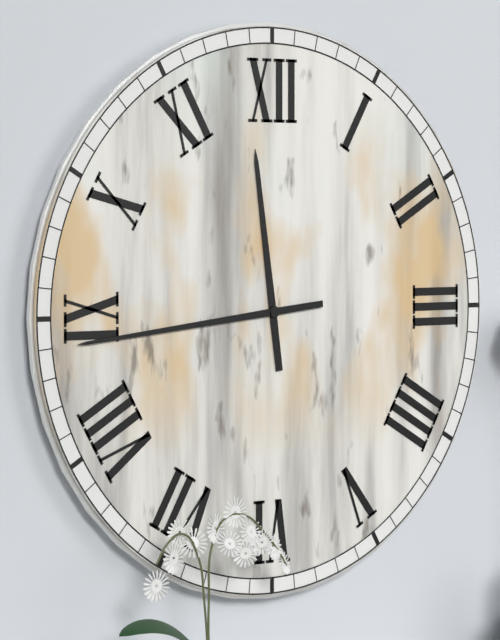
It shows h=11 m=44
